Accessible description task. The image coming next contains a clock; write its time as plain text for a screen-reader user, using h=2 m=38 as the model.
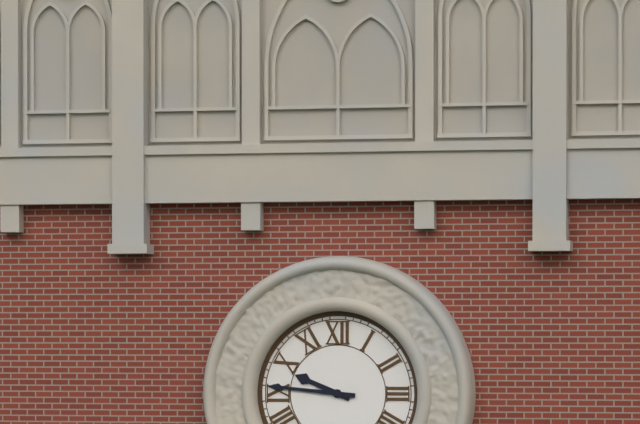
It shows h=9 m=46
